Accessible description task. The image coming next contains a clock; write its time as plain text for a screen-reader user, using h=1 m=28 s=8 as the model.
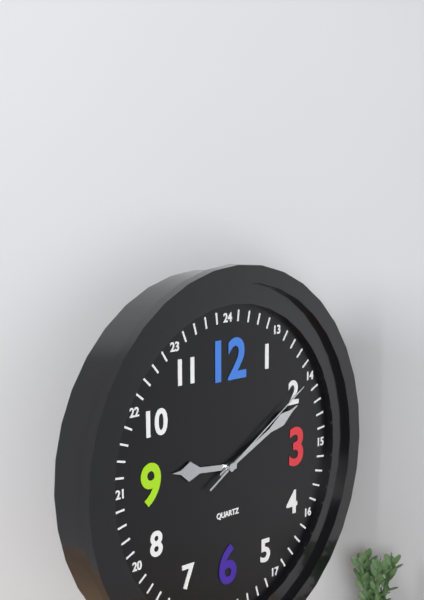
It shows h=9 m=11 s=10
